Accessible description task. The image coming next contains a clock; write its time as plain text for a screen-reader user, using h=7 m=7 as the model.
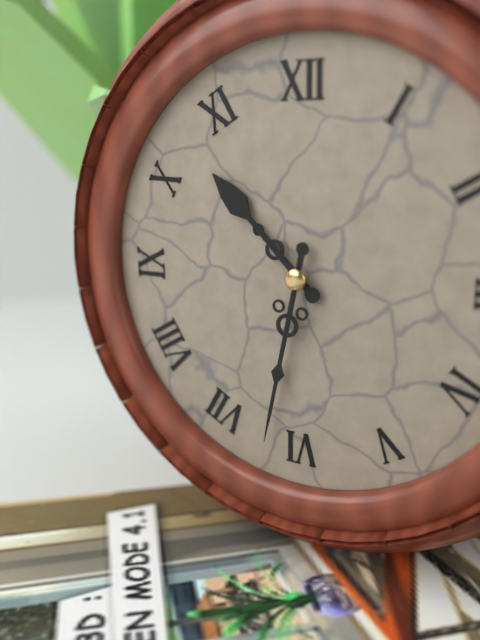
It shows h=10 m=32
